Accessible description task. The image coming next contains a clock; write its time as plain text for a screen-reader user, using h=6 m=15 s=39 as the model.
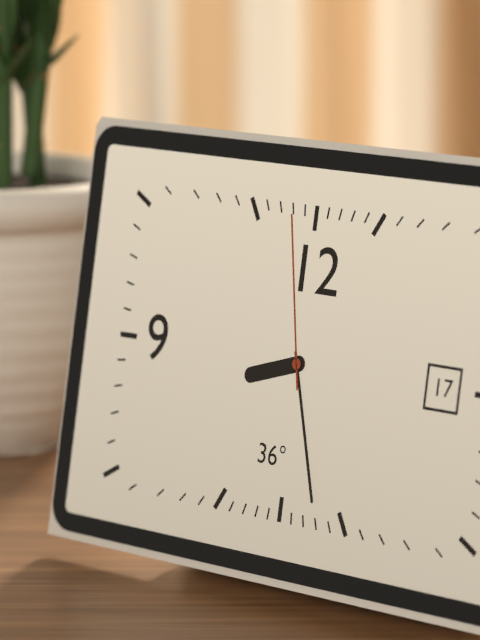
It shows h=8 m=27 s=58
